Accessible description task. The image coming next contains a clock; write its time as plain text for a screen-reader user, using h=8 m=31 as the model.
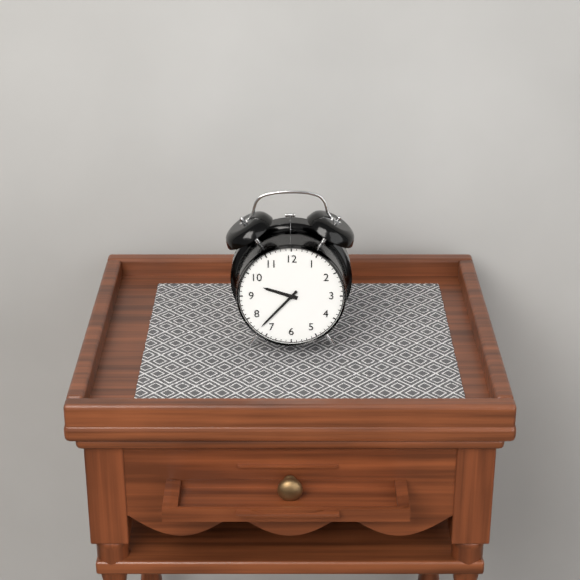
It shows h=9 m=37
